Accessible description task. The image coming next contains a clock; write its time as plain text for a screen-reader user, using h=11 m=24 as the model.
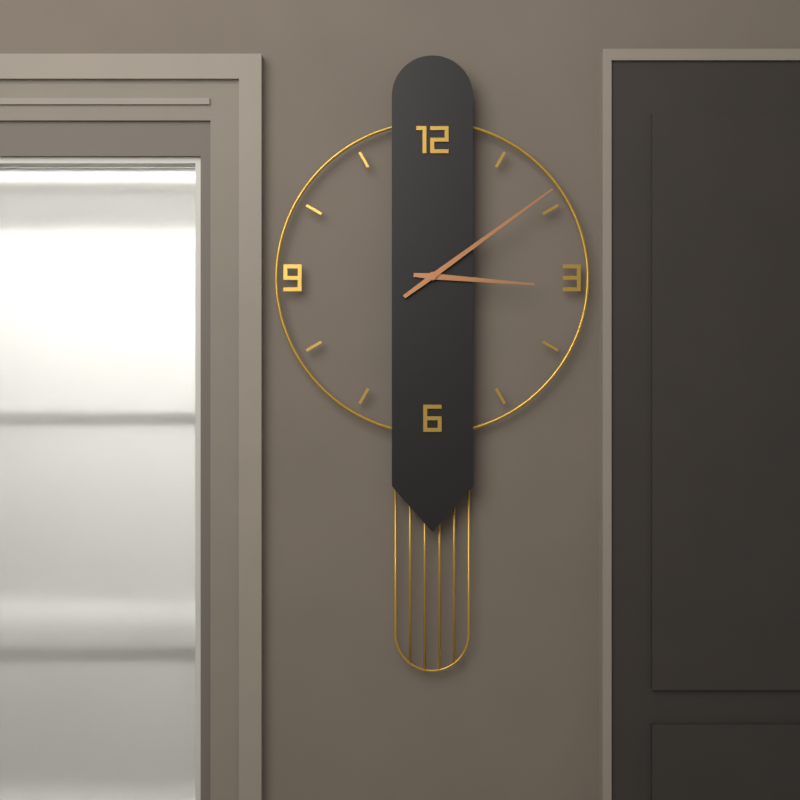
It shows h=3 m=9
